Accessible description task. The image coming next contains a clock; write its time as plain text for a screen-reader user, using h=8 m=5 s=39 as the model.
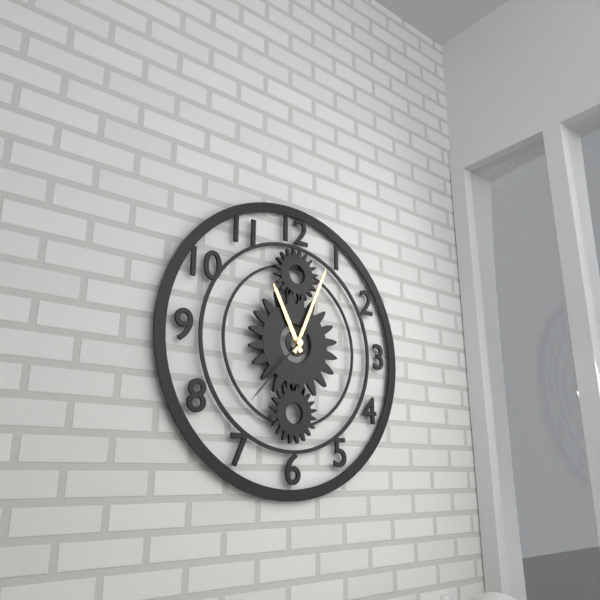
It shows h=11 m=4 s=37
